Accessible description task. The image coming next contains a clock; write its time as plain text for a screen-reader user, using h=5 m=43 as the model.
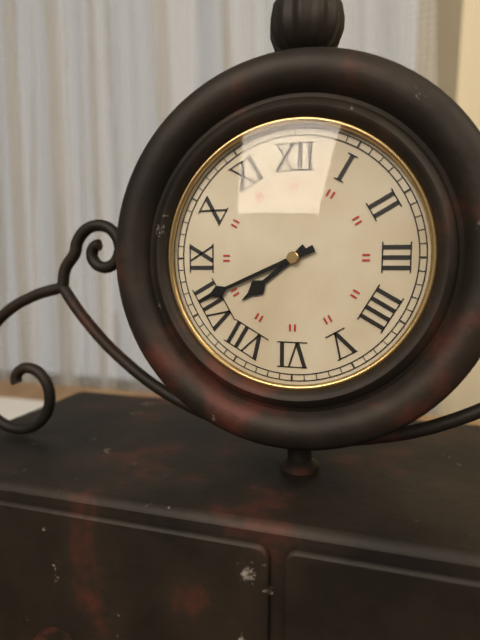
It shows h=7 m=41
